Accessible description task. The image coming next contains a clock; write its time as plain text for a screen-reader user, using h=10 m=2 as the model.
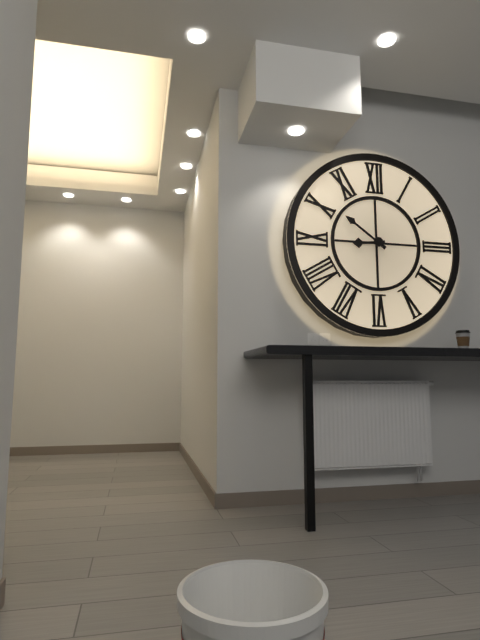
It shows h=8 m=51
